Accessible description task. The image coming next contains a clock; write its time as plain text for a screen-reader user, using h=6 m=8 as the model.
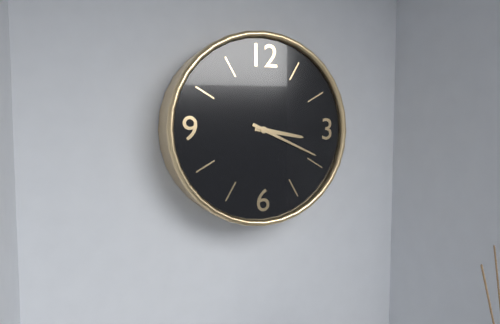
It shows h=3 m=19
